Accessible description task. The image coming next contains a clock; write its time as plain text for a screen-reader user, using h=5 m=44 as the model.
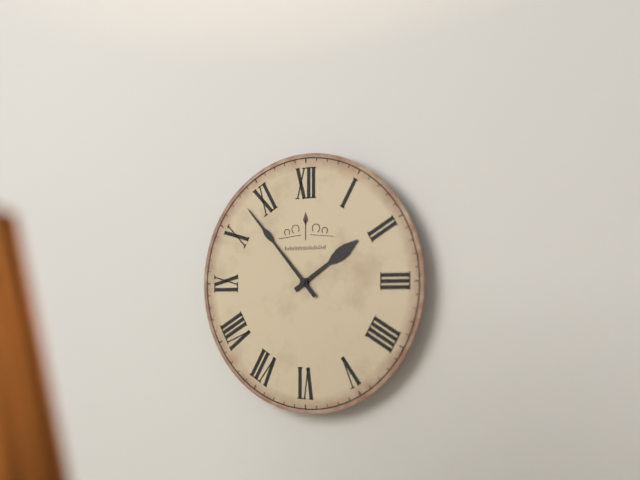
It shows h=1 m=53
